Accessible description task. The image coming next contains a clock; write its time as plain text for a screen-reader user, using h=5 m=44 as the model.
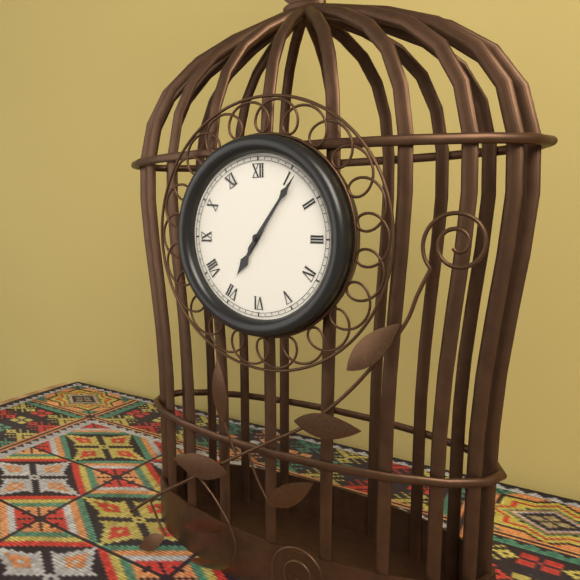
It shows h=7 m=6
